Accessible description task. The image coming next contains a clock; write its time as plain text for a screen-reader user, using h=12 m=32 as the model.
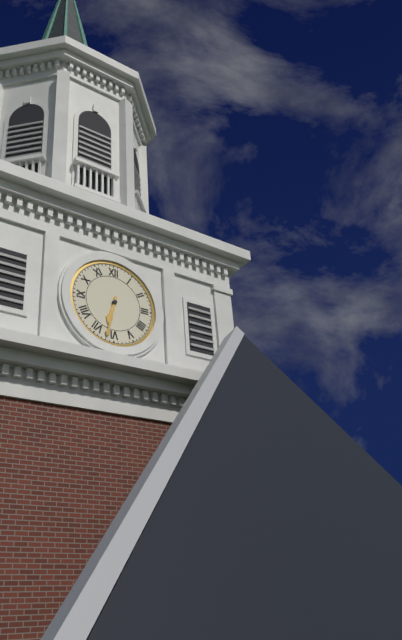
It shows h=6 m=32
